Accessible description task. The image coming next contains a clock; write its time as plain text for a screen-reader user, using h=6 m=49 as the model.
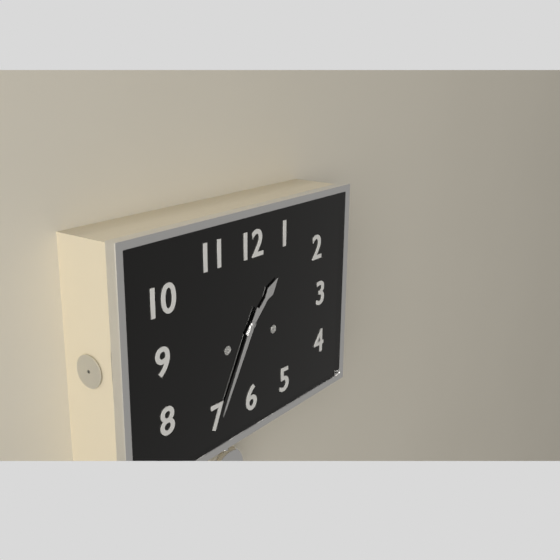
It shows h=1 m=35
